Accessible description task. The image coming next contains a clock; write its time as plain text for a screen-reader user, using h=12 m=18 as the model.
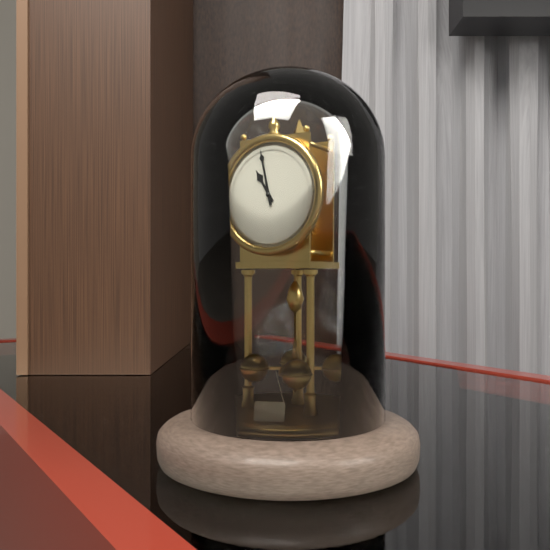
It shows h=10 m=58
